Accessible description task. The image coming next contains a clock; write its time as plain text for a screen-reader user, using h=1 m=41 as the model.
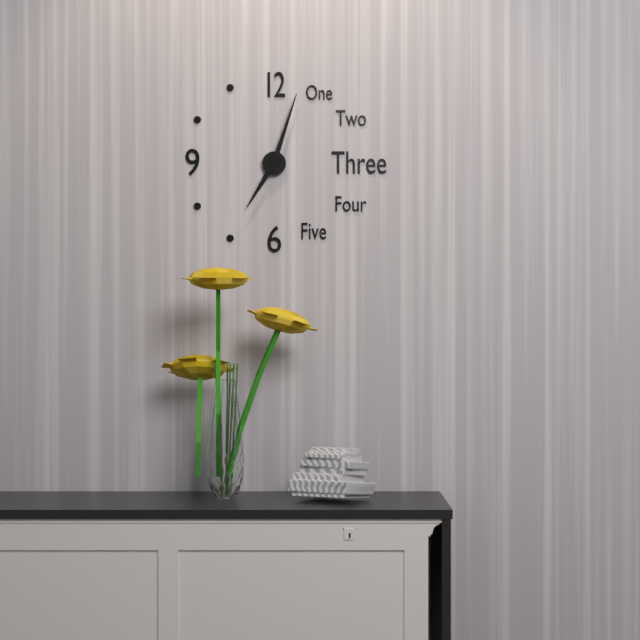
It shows h=7 m=3
